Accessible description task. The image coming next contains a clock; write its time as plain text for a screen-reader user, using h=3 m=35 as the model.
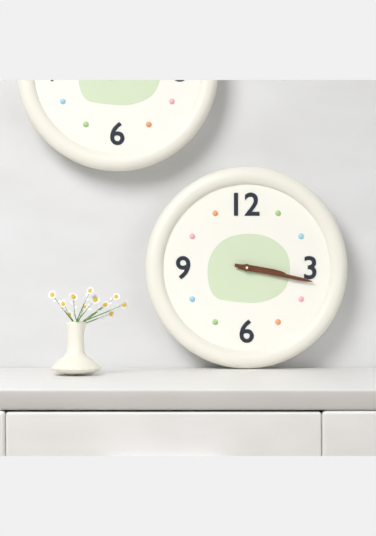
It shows h=3 m=17
